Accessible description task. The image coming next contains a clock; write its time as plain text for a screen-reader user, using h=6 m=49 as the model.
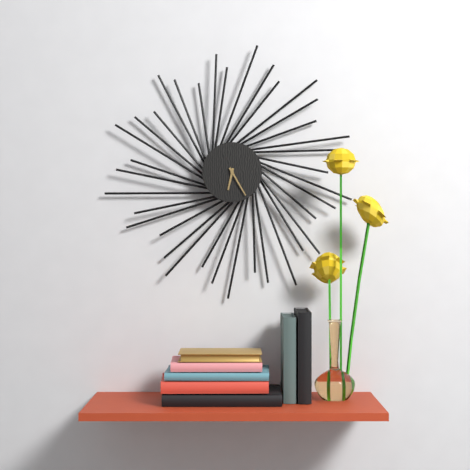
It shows h=6 m=25
